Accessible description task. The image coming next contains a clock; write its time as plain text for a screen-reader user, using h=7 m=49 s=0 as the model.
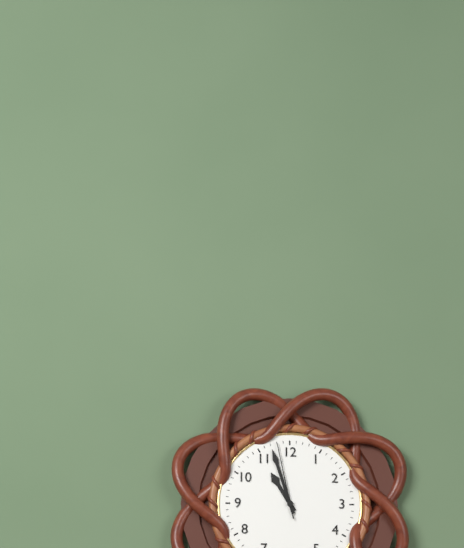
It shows h=10 m=57 s=58
